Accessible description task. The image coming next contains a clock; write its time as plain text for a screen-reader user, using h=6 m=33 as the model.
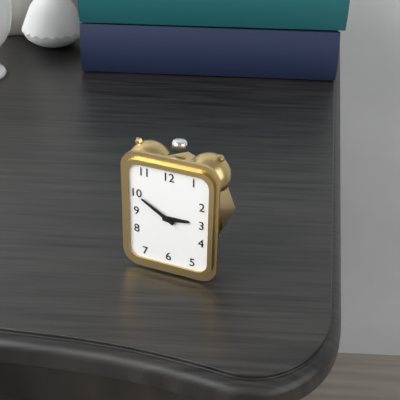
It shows h=2 m=50
